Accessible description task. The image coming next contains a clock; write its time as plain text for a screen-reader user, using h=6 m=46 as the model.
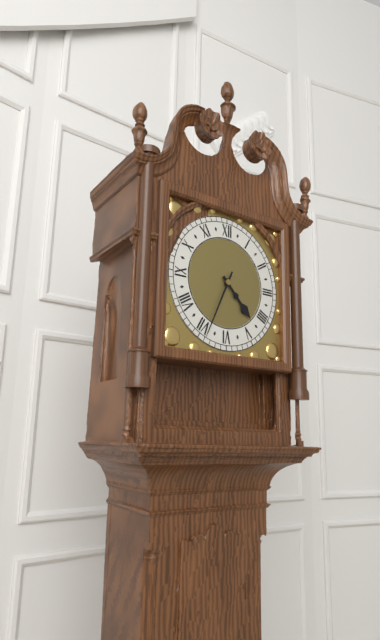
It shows h=4 m=34
